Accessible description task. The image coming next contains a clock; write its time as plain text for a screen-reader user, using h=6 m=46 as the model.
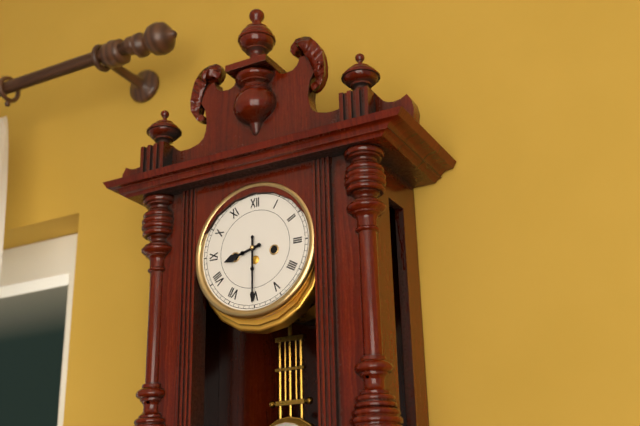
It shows h=8 m=30
